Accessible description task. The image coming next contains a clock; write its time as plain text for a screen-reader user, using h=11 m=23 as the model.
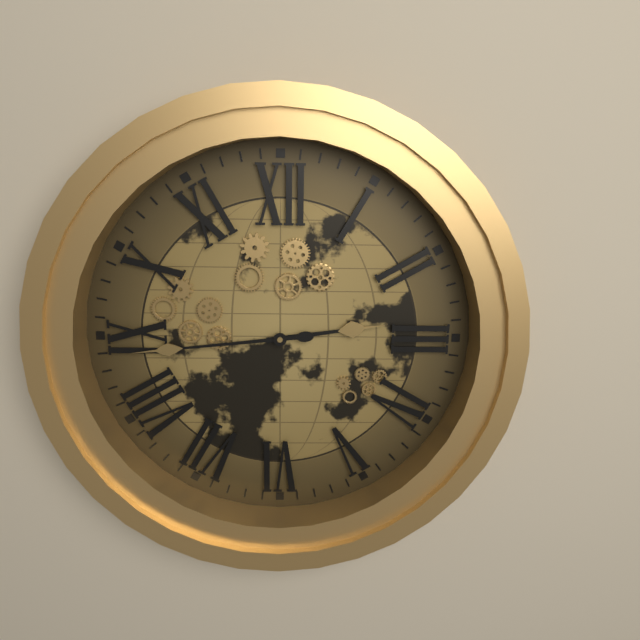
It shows h=2 m=44
